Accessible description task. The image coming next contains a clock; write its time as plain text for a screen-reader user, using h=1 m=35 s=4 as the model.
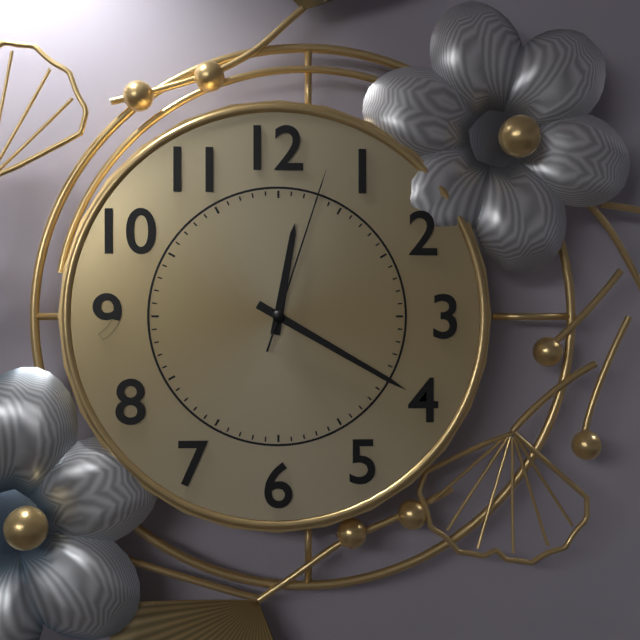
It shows h=12 m=20 s=3
